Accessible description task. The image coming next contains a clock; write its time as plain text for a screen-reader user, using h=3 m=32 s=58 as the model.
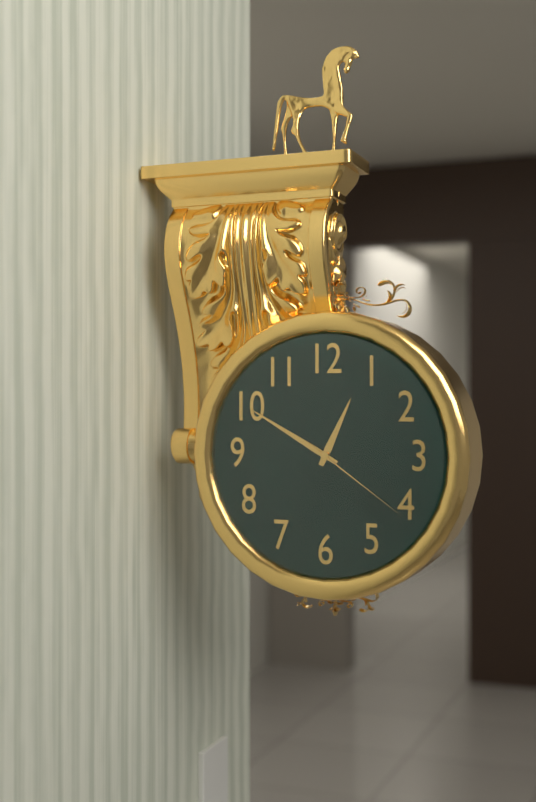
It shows h=12 m=50 s=21
